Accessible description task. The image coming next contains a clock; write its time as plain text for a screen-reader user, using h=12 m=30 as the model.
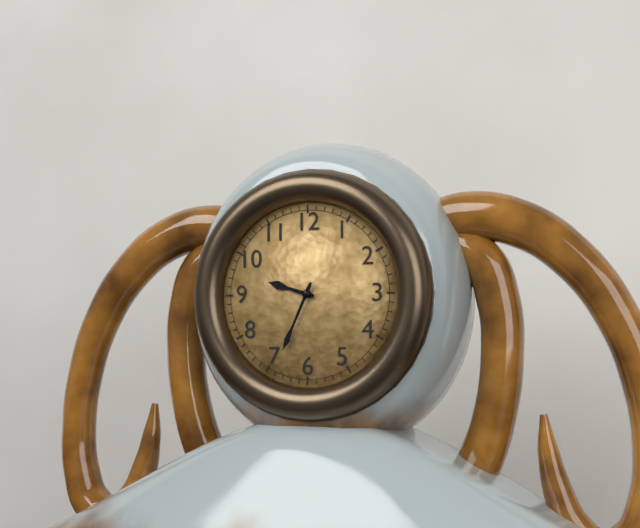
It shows h=9 m=34
